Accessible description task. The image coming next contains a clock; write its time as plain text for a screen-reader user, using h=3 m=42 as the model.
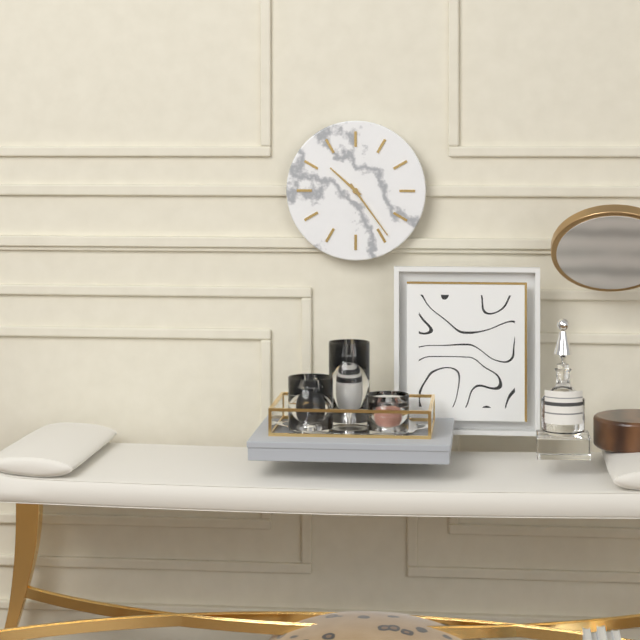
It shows h=10 m=24
